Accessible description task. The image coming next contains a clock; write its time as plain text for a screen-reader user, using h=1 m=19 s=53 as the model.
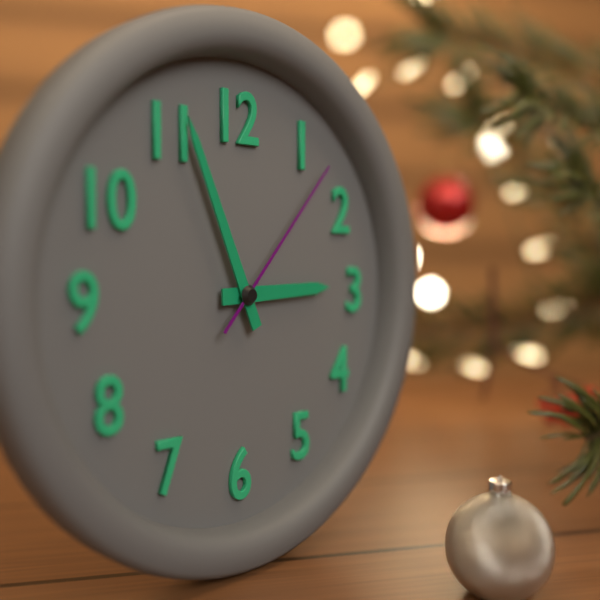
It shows h=2 m=56 s=7
